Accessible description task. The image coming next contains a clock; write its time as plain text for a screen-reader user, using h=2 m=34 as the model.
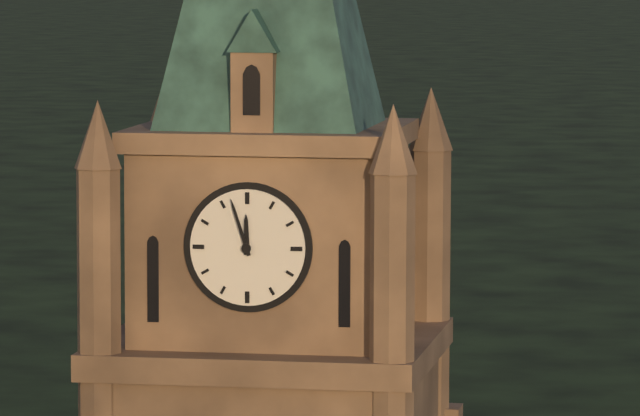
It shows h=11 m=57
